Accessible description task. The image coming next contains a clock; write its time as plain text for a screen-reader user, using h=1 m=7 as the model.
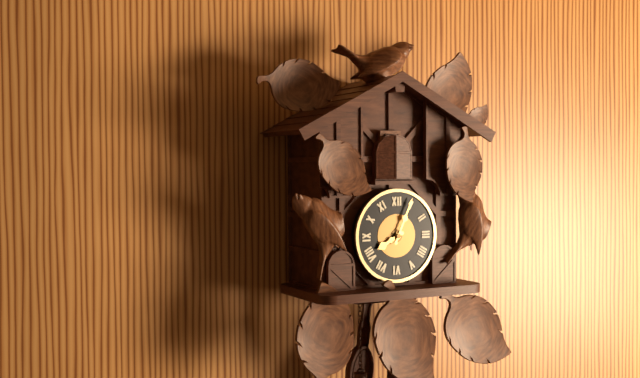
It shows h=8 m=4
